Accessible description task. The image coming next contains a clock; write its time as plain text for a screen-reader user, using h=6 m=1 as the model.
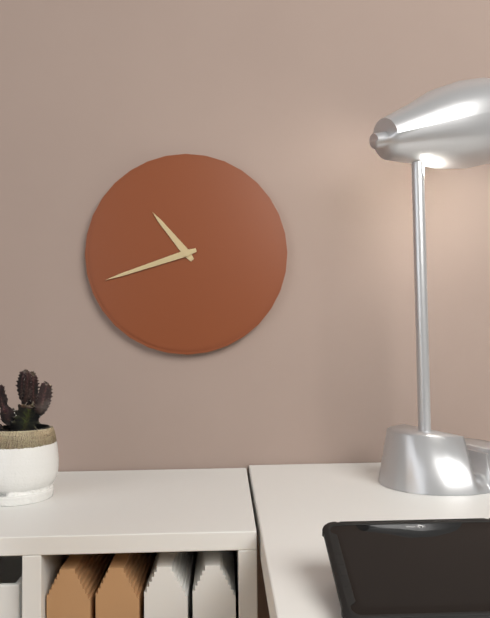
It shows h=10 m=42
